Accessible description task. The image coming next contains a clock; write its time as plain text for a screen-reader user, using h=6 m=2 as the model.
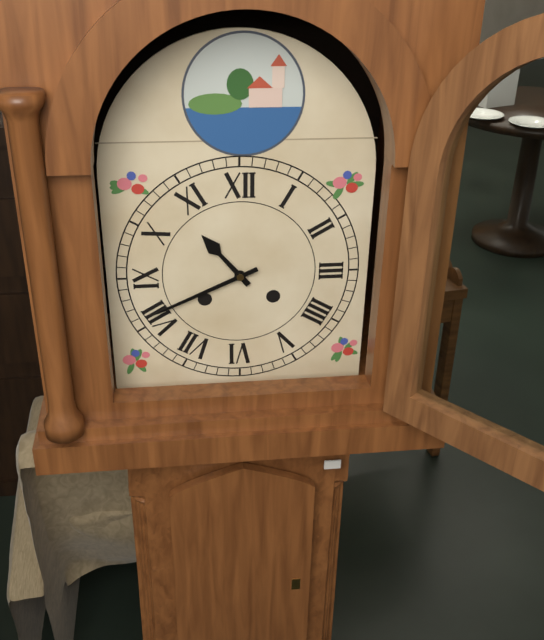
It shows h=10 m=41
